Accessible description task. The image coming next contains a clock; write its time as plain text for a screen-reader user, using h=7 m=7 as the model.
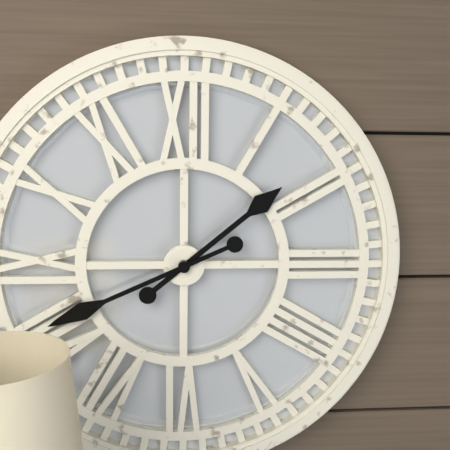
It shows h=1 m=41
